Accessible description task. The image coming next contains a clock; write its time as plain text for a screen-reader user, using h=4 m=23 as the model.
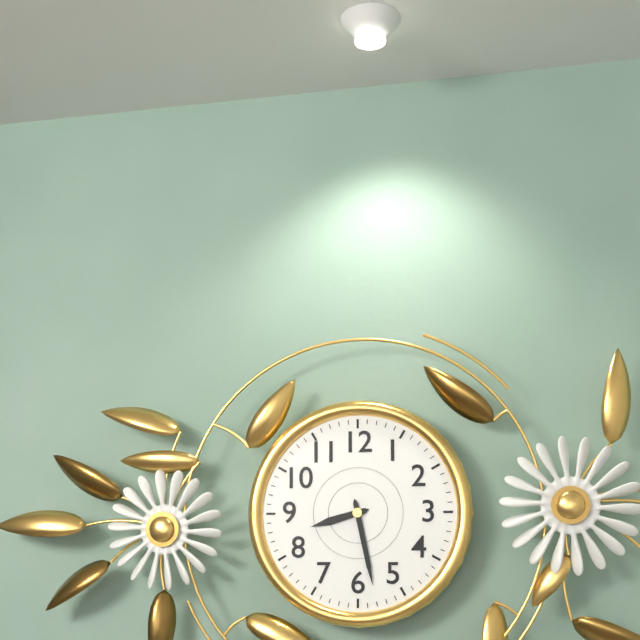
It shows h=8 m=28
